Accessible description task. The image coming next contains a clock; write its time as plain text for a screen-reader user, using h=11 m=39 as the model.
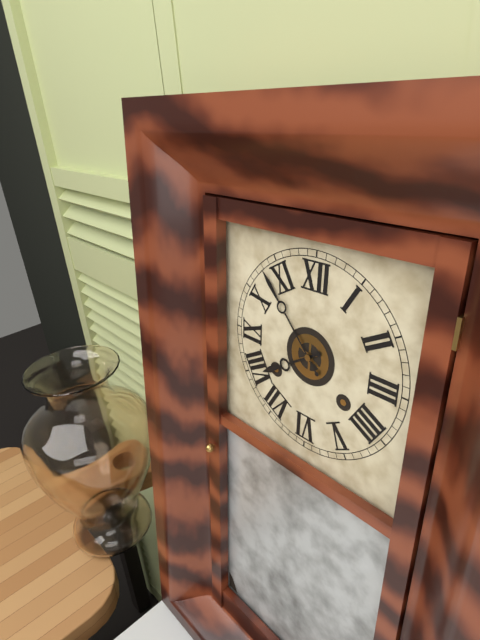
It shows h=7 m=53
